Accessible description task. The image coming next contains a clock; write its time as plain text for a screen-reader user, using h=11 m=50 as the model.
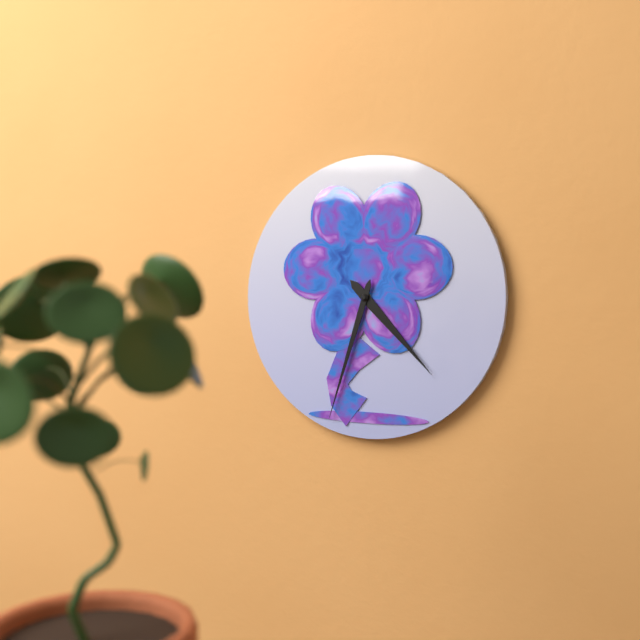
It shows h=4 m=33
